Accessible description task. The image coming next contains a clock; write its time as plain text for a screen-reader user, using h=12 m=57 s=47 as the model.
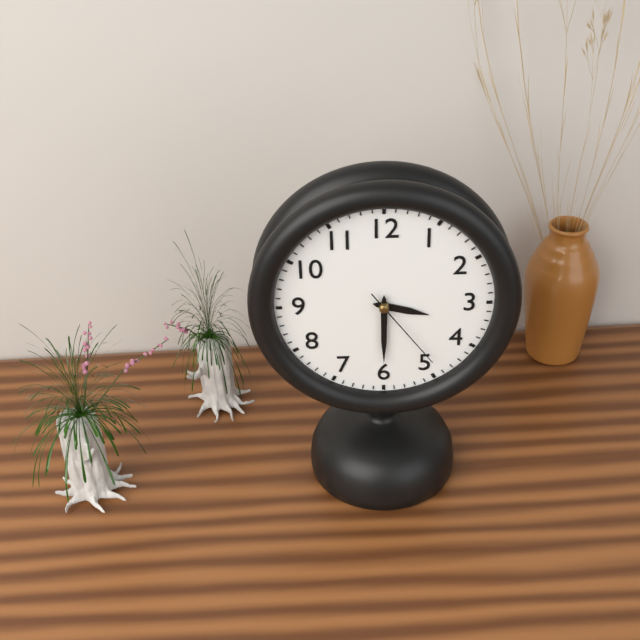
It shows h=3 m=30 s=24
